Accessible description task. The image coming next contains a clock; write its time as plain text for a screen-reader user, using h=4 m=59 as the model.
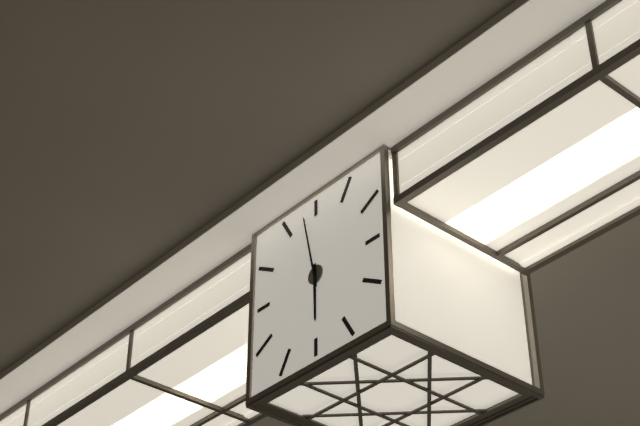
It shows h=5 m=58
